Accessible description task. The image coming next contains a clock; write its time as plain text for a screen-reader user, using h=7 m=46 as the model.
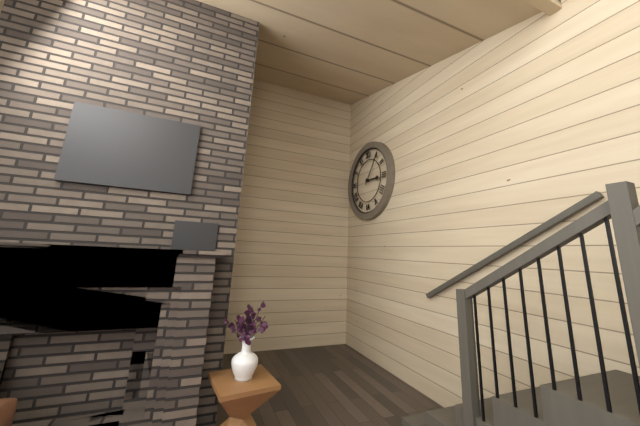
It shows h=3 m=6
